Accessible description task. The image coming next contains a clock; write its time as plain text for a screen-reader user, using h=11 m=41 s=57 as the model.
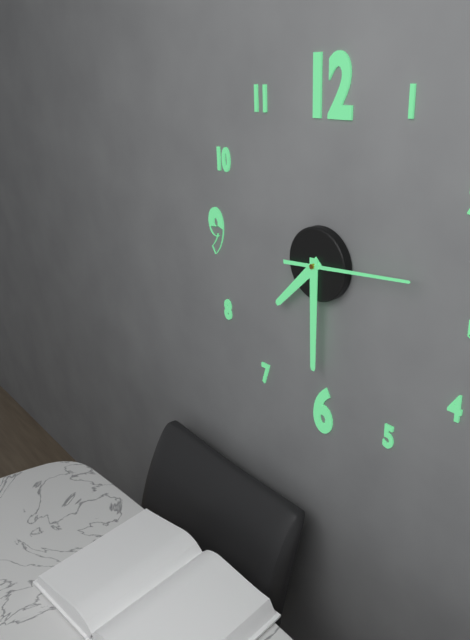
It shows h=7 m=30 s=14
